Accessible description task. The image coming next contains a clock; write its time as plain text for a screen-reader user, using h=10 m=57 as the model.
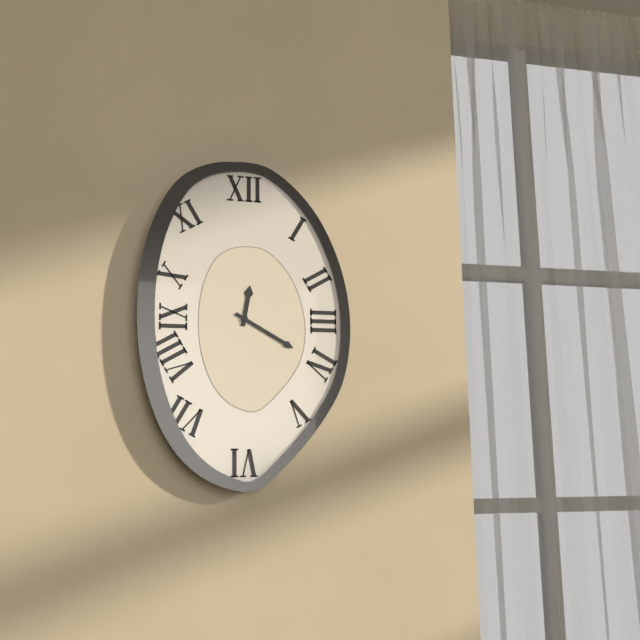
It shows h=12 m=20
